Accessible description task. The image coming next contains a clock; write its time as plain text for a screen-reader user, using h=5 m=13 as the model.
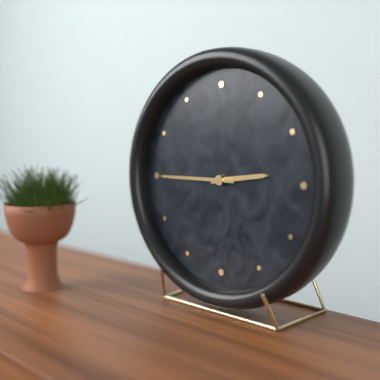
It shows h=2 m=45
